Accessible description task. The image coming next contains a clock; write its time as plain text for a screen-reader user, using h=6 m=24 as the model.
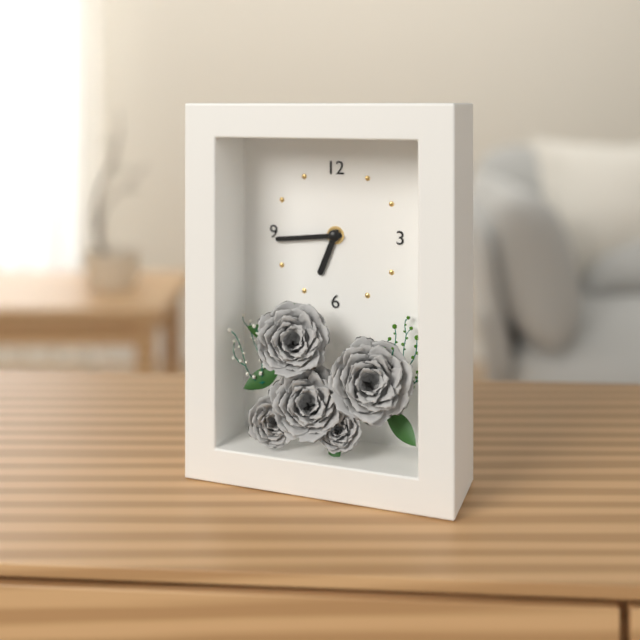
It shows h=6 m=44
